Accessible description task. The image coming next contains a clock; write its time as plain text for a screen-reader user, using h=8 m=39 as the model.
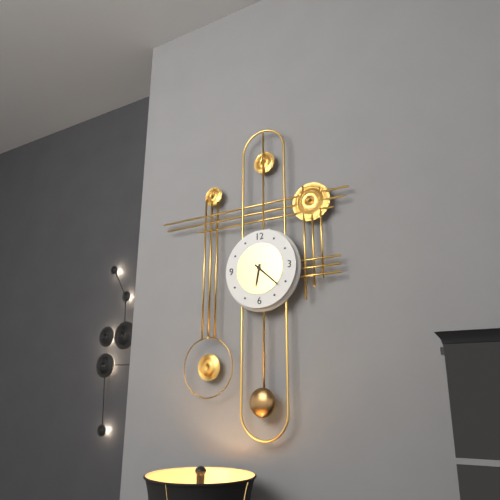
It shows h=6 m=22
